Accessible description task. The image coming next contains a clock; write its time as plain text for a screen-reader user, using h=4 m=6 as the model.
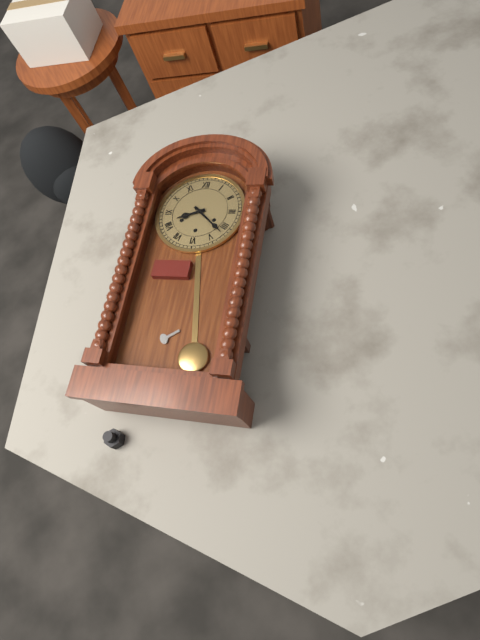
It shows h=8 m=22
